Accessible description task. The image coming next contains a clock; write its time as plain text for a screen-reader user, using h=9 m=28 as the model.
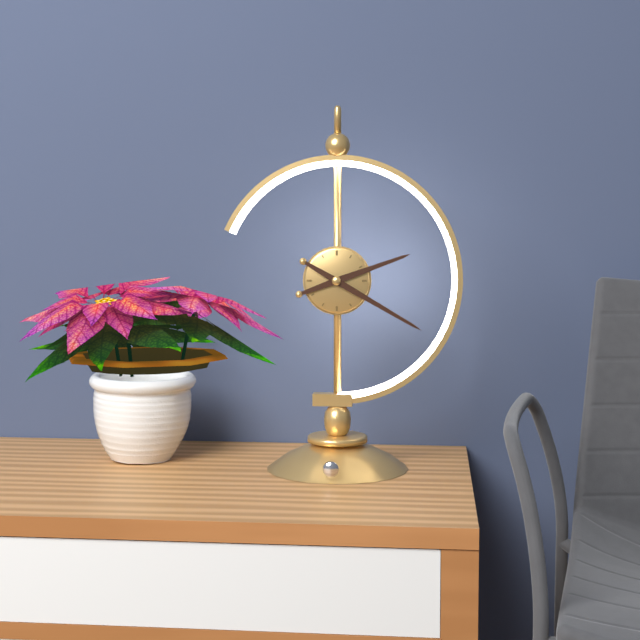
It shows h=2 m=20
